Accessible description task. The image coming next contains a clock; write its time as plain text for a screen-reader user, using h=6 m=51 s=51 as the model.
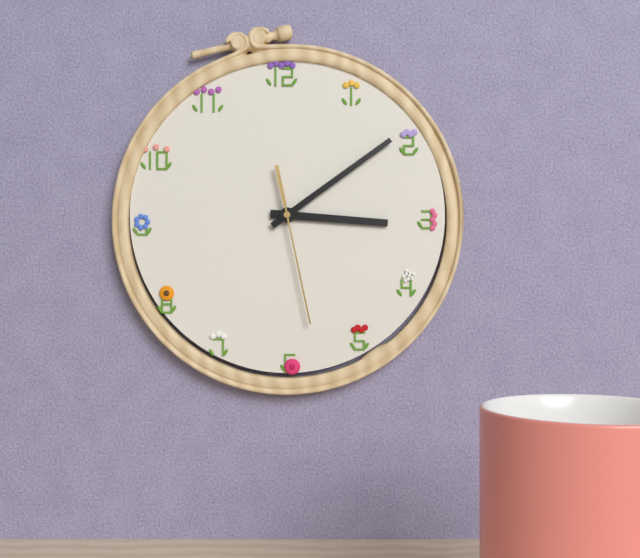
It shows h=3 m=9 s=28
